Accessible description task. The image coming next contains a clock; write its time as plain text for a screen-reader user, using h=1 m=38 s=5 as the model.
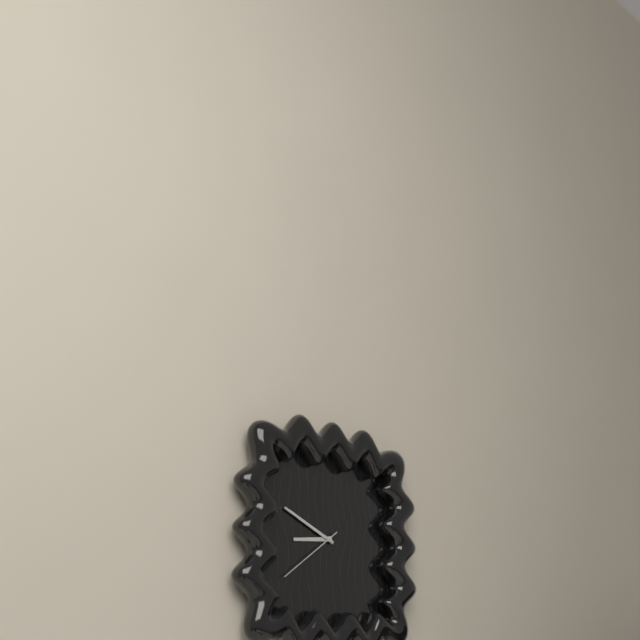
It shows h=8 m=49 s=39
